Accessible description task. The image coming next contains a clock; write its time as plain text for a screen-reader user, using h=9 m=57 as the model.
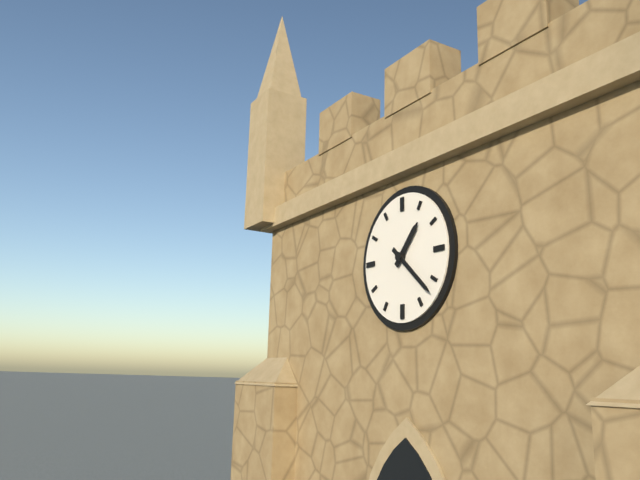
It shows h=1 m=22
